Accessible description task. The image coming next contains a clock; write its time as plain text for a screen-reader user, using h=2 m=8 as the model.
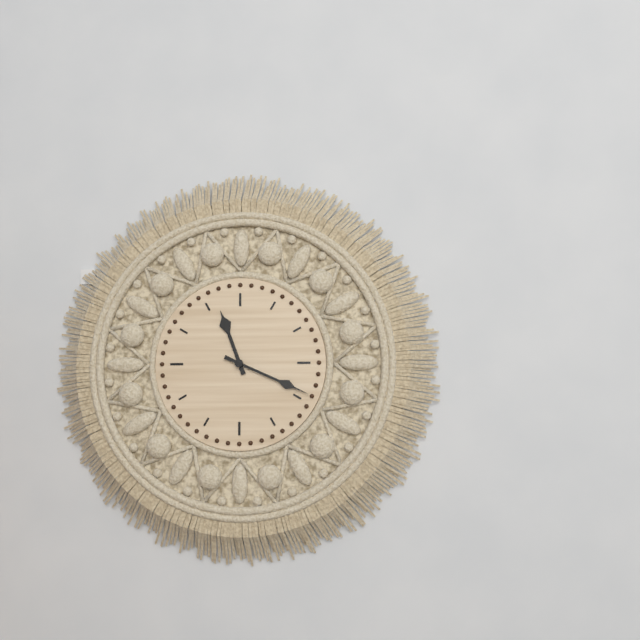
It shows h=11 m=19
